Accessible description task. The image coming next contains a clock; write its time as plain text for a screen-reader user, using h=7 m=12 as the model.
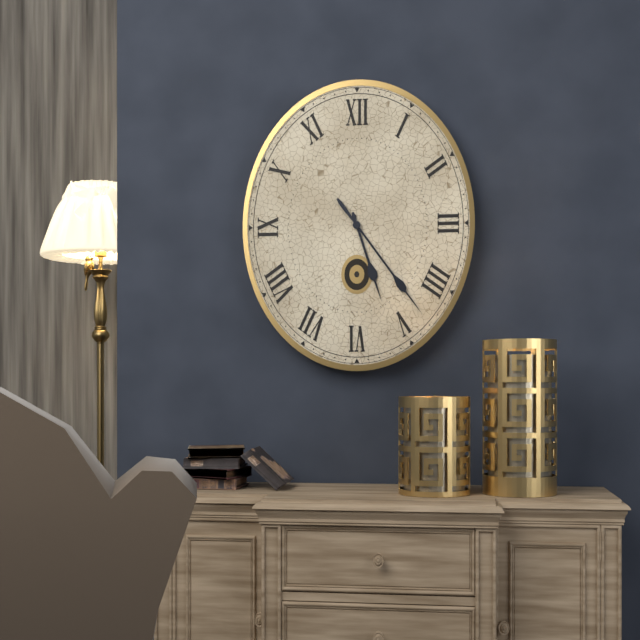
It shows h=5 m=24
